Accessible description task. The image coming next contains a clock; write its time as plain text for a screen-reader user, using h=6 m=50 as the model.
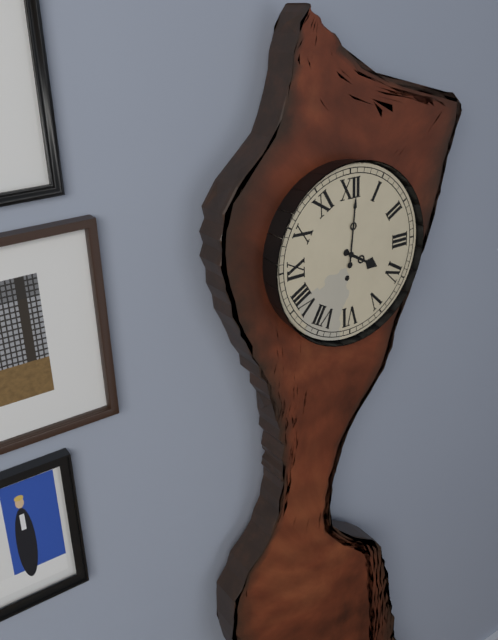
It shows h=4 m=1
